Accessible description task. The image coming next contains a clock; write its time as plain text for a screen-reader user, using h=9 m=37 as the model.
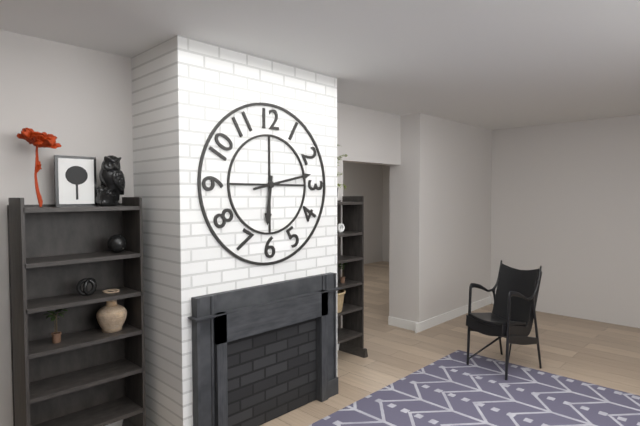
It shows h=6 m=13
